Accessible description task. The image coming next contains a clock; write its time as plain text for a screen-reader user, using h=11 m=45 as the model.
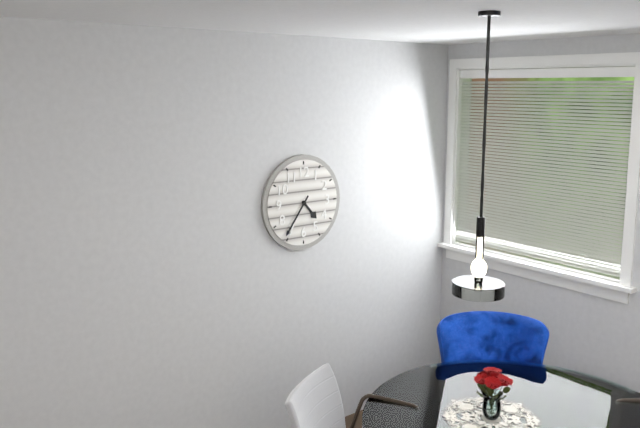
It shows h=4 m=36
